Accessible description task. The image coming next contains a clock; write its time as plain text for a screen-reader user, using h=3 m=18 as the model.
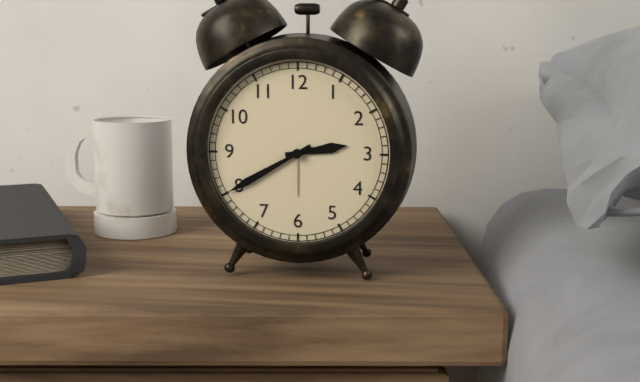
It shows h=2 m=40
